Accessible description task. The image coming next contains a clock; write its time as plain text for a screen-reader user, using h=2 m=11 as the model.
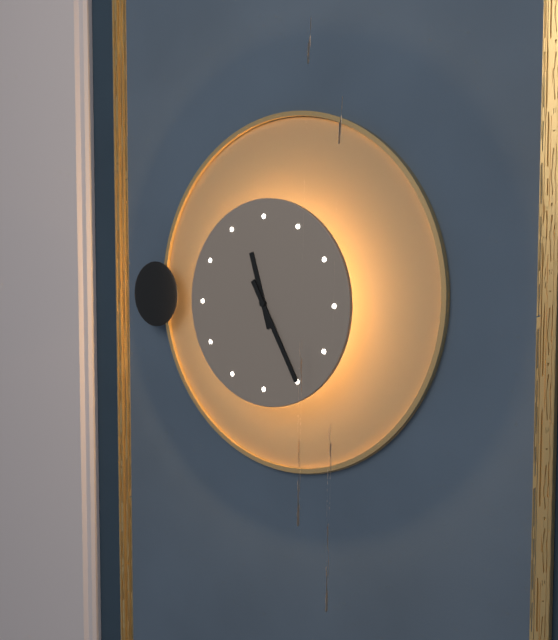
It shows h=11 m=25
